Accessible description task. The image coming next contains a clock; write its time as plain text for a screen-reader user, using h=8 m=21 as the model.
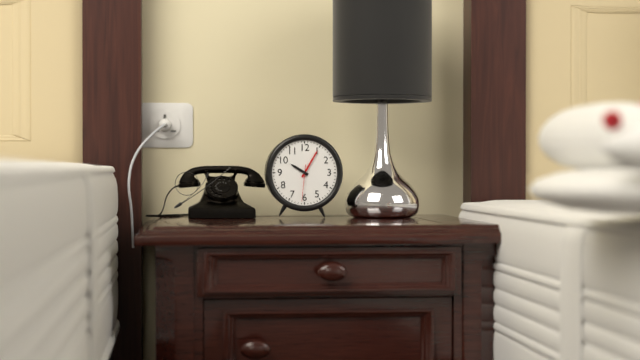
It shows h=10 m=5
